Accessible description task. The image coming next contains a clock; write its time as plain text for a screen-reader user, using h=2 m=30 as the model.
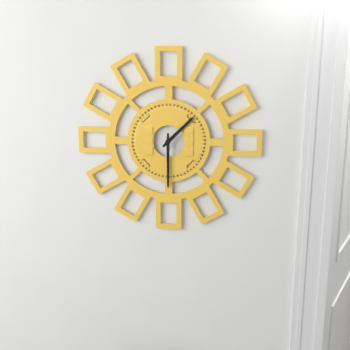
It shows h=1 m=30
